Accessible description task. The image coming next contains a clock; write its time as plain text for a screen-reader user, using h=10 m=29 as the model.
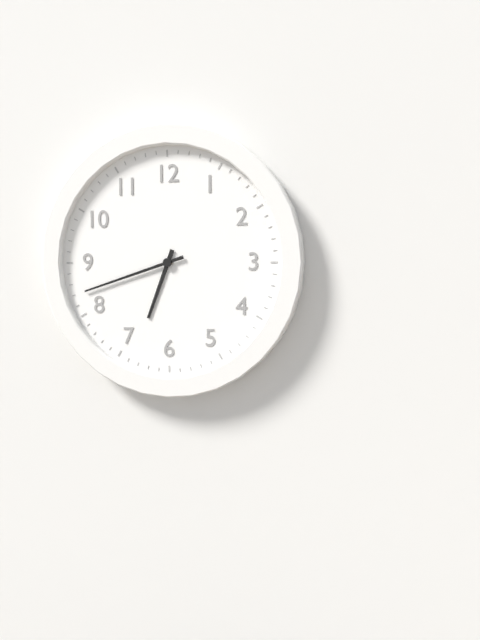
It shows h=6 m=42
